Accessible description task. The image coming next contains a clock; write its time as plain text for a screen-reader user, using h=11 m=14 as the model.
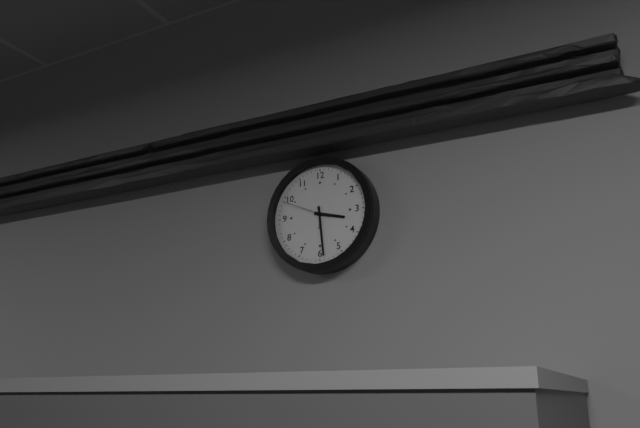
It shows h=3 m=29
